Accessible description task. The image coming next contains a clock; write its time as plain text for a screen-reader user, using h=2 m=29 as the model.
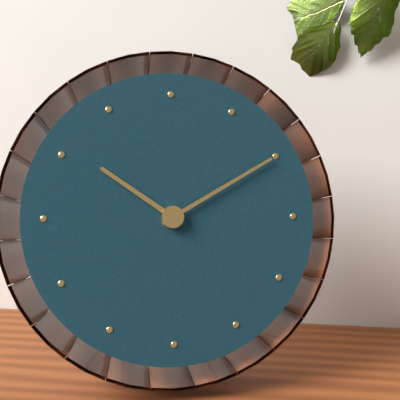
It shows h=10 m=10
